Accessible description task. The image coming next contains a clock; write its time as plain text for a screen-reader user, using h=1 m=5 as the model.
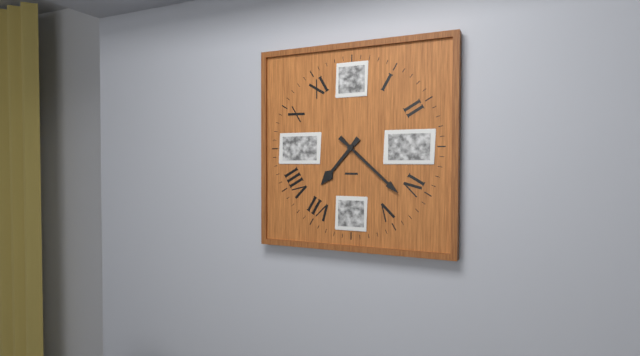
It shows h=7 m=22
